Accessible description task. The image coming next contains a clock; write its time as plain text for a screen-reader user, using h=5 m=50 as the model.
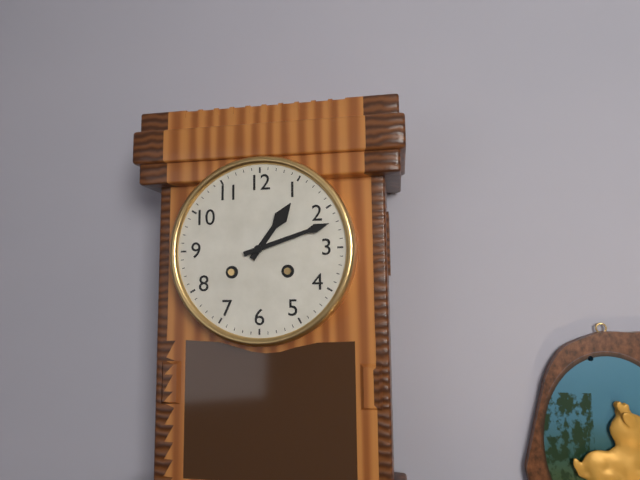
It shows h=1 m=12
